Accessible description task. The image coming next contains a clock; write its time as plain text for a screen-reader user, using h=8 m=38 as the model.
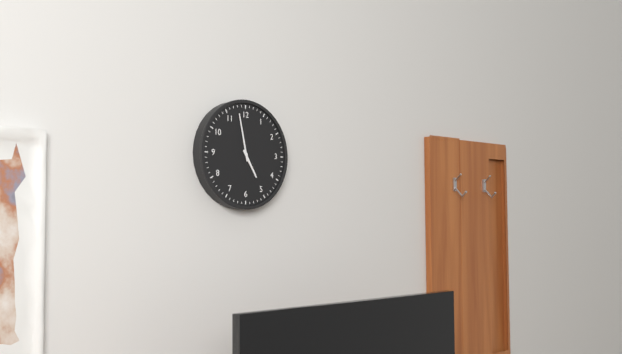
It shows h=4 m=58
